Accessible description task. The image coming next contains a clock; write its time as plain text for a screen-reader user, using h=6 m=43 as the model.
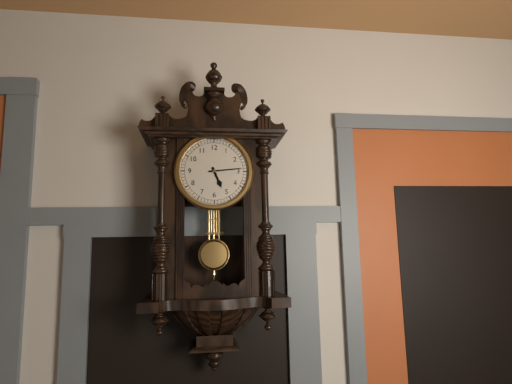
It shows h=5 m=14
